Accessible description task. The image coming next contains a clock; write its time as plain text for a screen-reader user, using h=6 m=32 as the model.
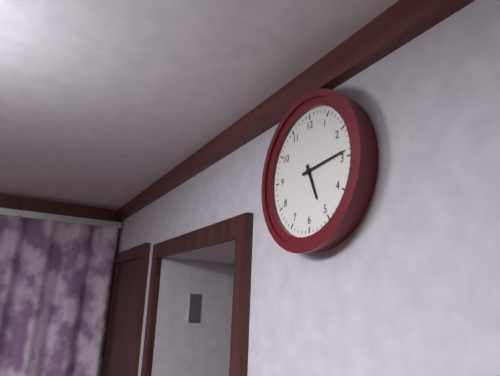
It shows h=5 m=14
